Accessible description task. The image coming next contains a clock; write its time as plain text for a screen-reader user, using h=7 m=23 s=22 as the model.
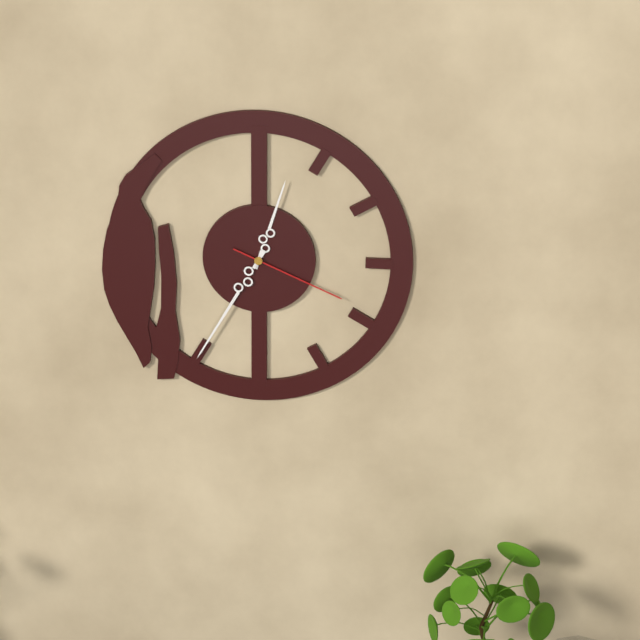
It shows h=12 m=35 s=19
